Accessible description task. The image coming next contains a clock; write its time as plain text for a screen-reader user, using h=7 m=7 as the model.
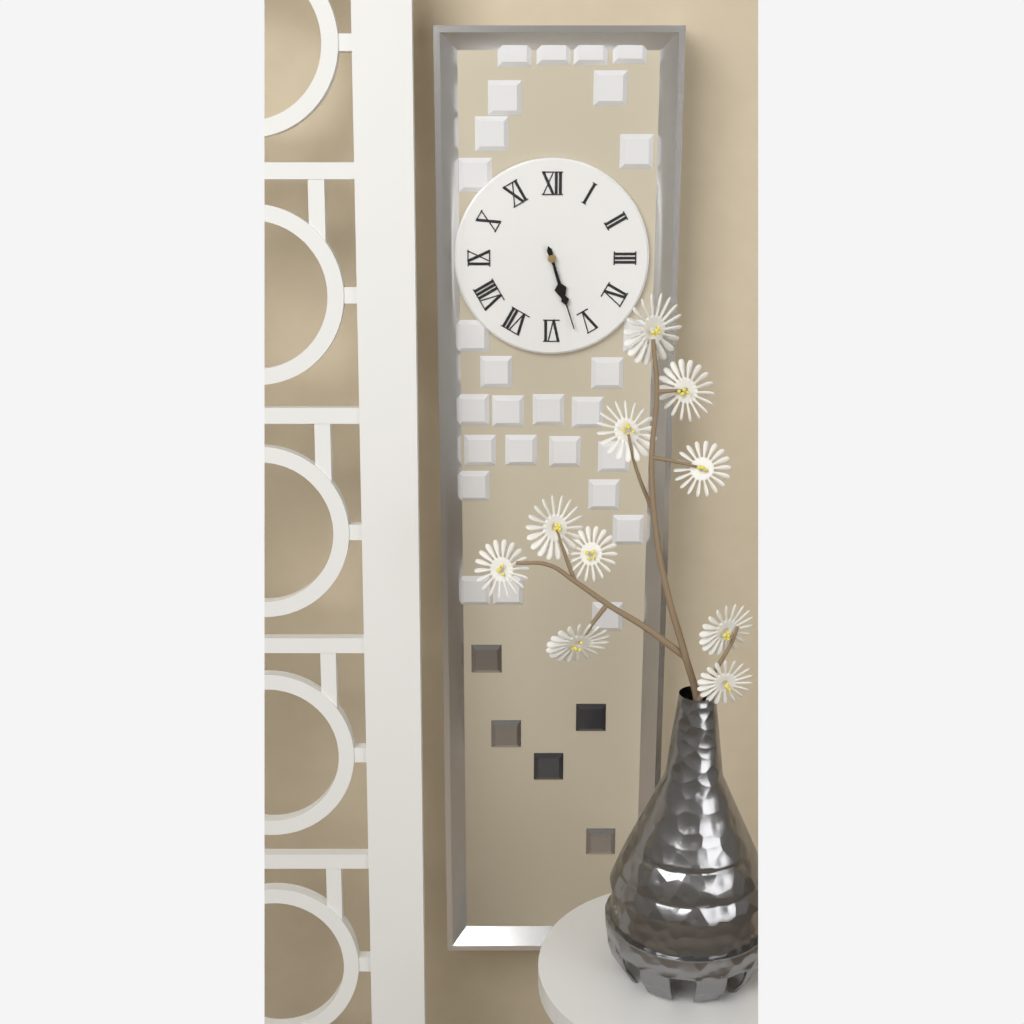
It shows h=5 m=27
